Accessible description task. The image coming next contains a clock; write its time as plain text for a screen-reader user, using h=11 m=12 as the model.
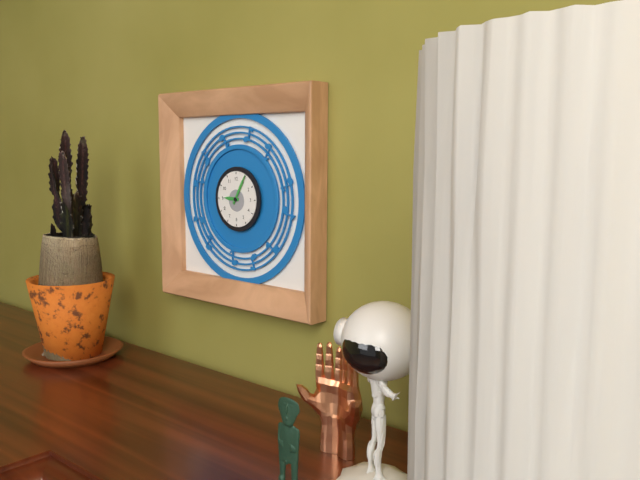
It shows h=9 m=5
